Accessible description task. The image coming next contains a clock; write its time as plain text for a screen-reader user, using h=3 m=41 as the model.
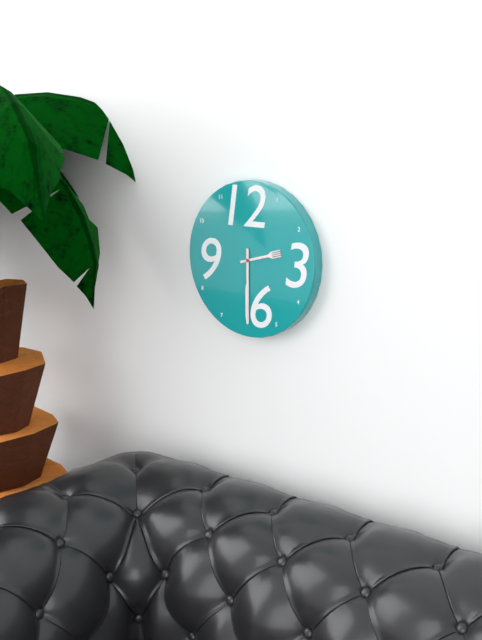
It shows h=2 m=30
